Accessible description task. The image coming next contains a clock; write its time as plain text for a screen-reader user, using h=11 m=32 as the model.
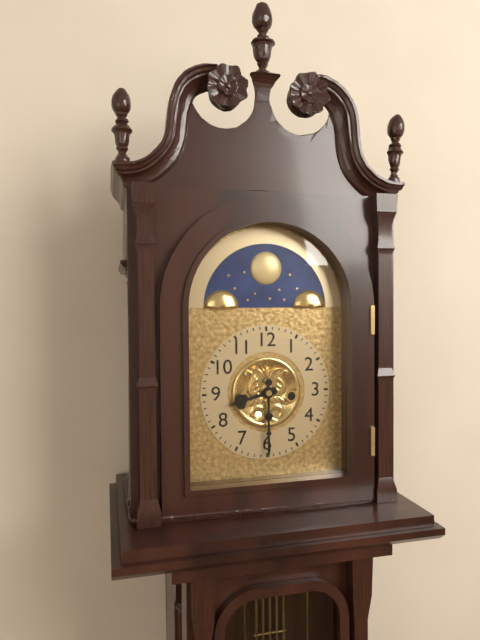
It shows h=8 m=30
